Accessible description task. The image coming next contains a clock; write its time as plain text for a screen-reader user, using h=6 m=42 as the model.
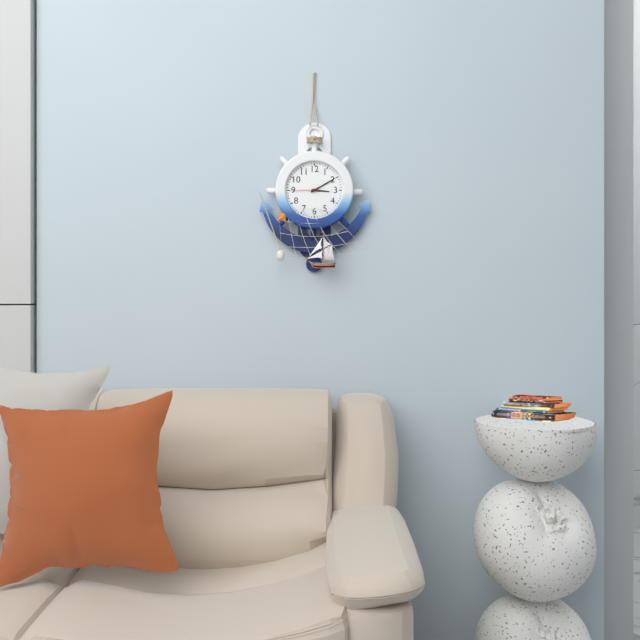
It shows h=3 m=10
